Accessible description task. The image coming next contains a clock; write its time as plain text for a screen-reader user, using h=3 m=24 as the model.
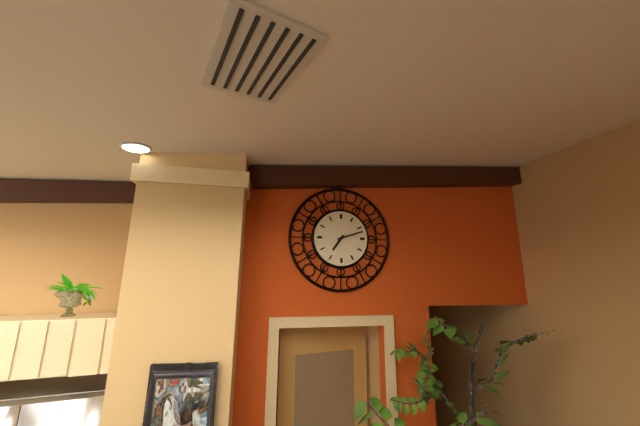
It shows h=7 m=12
